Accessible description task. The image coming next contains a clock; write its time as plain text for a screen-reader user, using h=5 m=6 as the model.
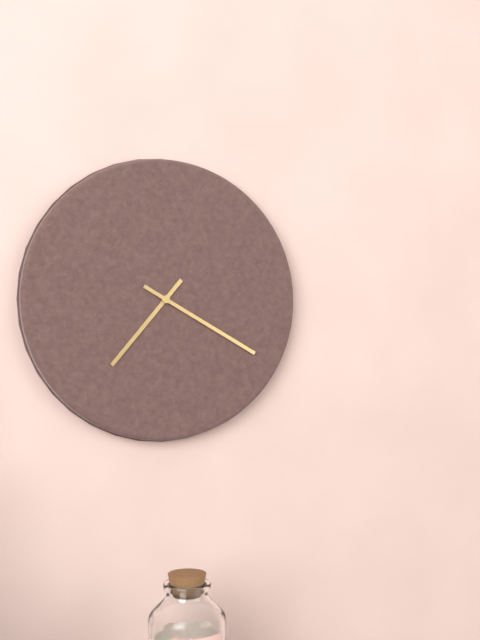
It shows h=7 m=20
